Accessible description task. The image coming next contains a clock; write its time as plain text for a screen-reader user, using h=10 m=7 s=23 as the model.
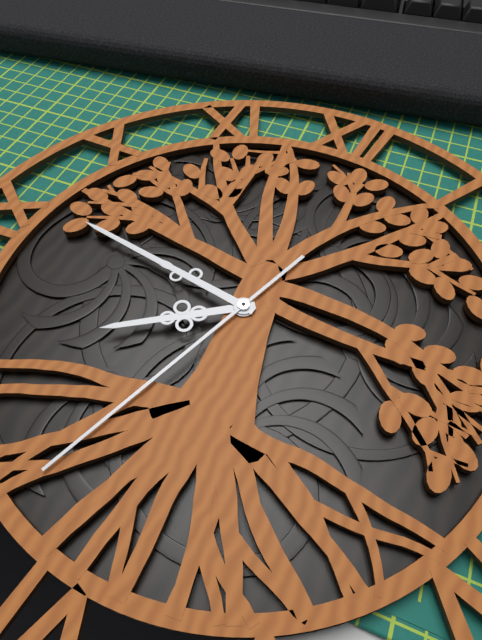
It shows h=7 m=46 s=33
